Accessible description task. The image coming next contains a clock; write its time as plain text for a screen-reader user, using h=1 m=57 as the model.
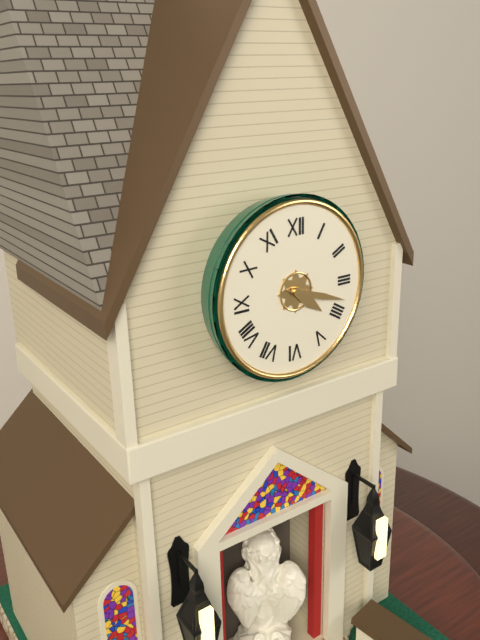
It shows h=4 m=18
